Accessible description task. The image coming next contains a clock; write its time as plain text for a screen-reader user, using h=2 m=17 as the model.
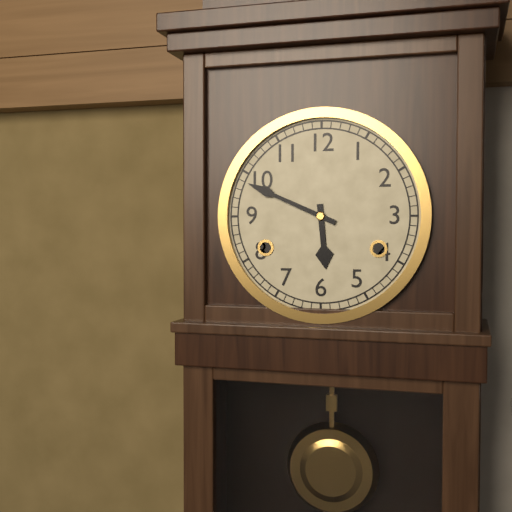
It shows h=5 m=49
